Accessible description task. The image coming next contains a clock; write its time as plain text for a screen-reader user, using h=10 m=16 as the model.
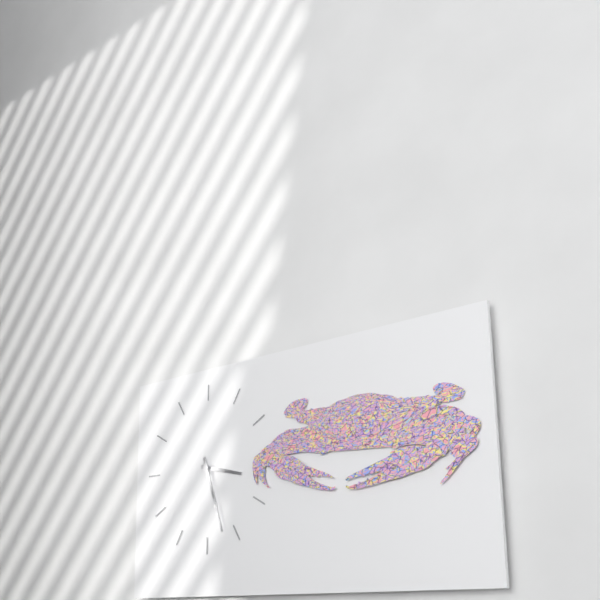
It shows h=3 m=27
